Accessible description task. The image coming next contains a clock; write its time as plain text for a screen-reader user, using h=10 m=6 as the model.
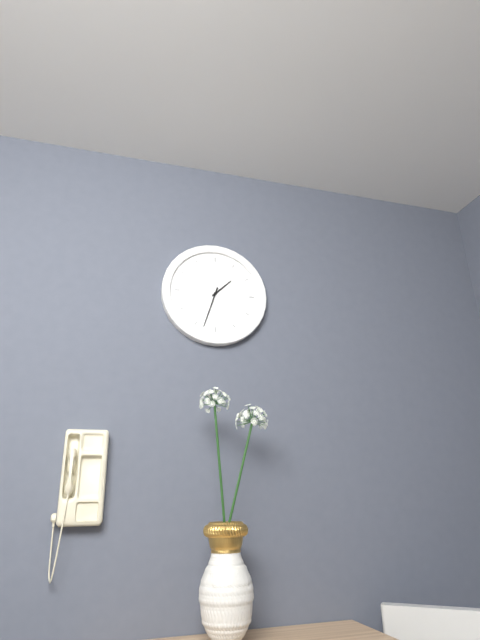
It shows h=1 m=33
